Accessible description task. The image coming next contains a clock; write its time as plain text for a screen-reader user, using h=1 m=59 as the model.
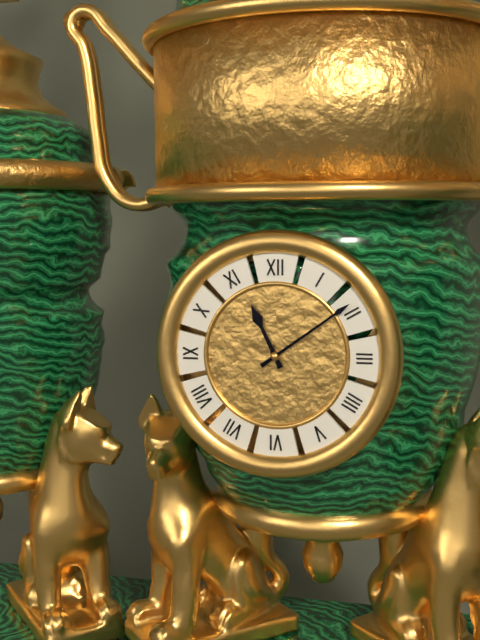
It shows h=11 m=9
